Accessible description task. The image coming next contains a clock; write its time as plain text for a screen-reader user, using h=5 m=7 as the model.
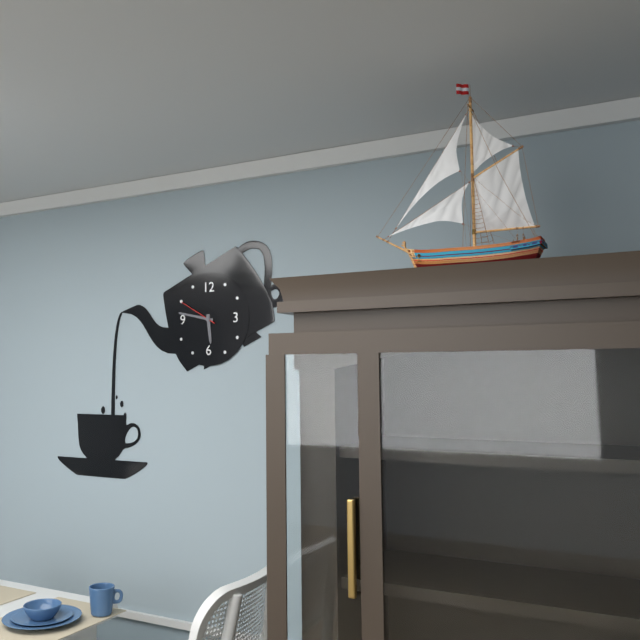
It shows h=5 m=47
